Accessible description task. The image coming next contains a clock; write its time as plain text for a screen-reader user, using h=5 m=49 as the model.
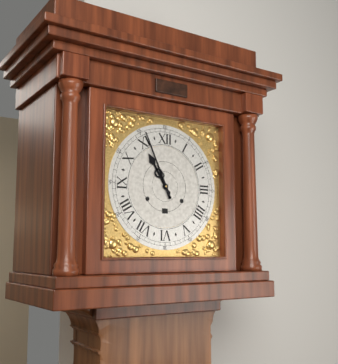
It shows h=10 m=56
